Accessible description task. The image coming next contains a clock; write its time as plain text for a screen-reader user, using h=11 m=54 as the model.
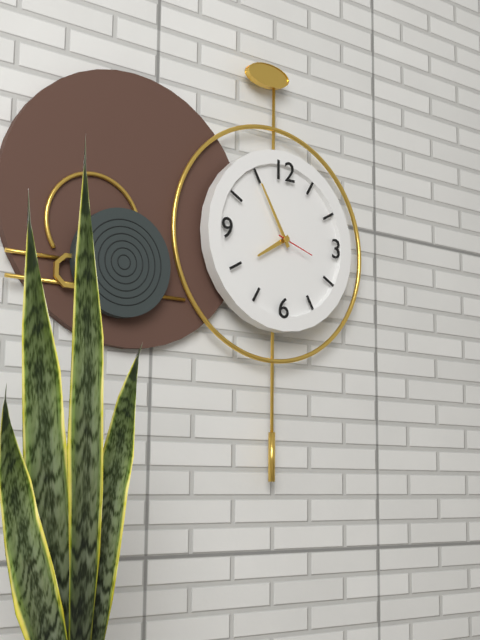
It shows h=7 m=55
